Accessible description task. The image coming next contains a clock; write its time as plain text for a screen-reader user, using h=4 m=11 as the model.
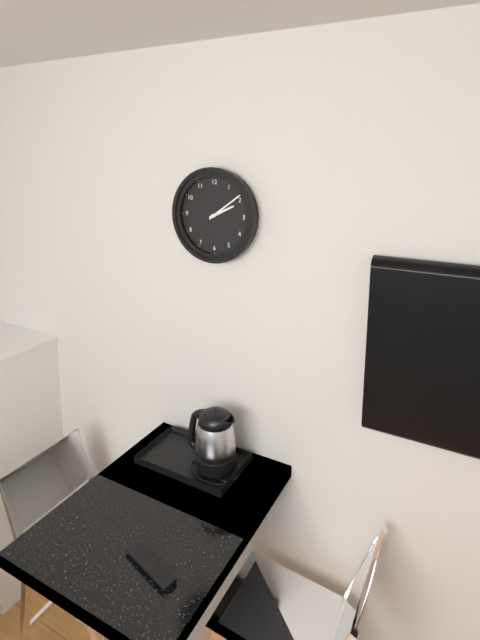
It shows h=2 m=9
